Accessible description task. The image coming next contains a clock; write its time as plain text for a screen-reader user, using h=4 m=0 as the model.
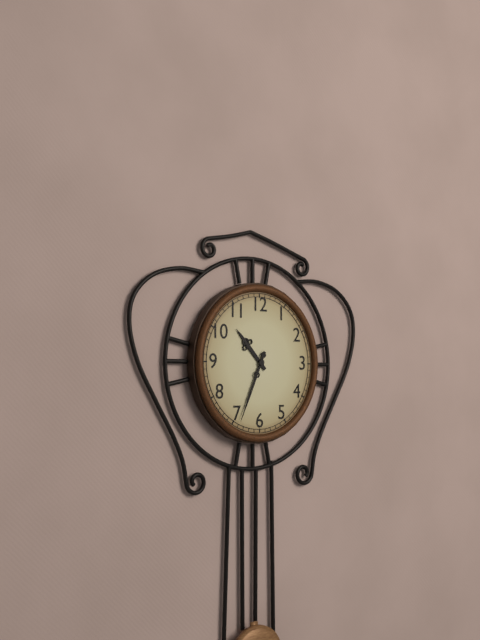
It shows h=10 m=34
